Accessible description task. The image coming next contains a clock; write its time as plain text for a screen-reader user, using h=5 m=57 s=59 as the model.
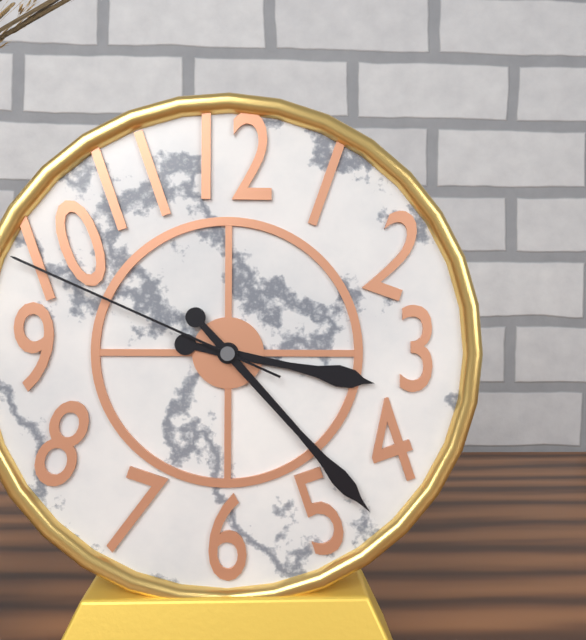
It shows h=3 m=23 s=49
